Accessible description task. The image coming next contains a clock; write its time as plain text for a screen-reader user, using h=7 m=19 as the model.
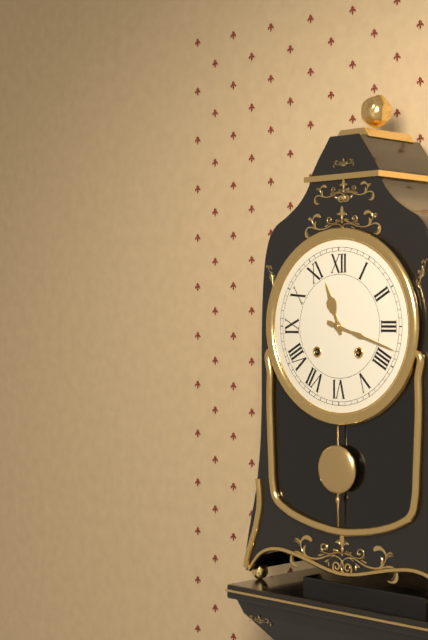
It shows h=11 m=18
